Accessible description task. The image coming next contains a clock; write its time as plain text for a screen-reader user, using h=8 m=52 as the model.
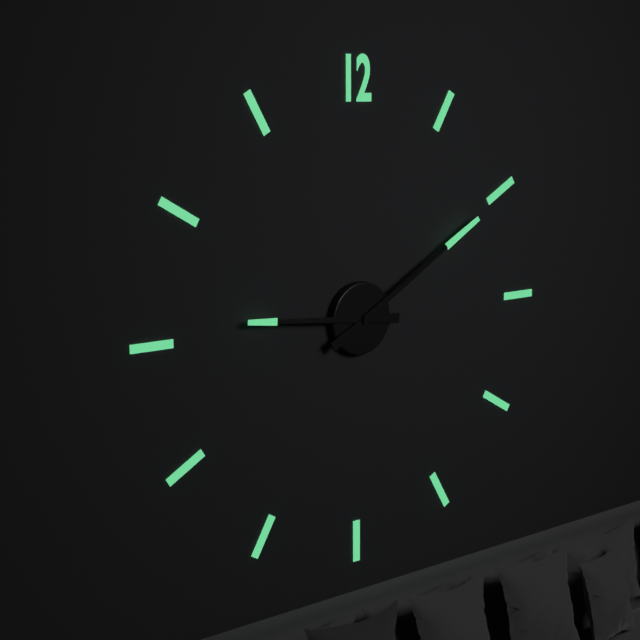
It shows h=9 m=10
